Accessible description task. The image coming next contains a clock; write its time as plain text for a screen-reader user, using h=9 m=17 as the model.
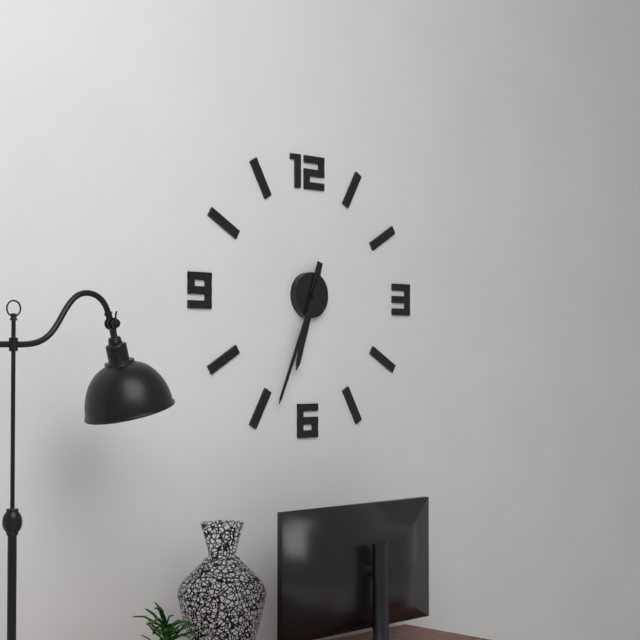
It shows h=6 m=34
